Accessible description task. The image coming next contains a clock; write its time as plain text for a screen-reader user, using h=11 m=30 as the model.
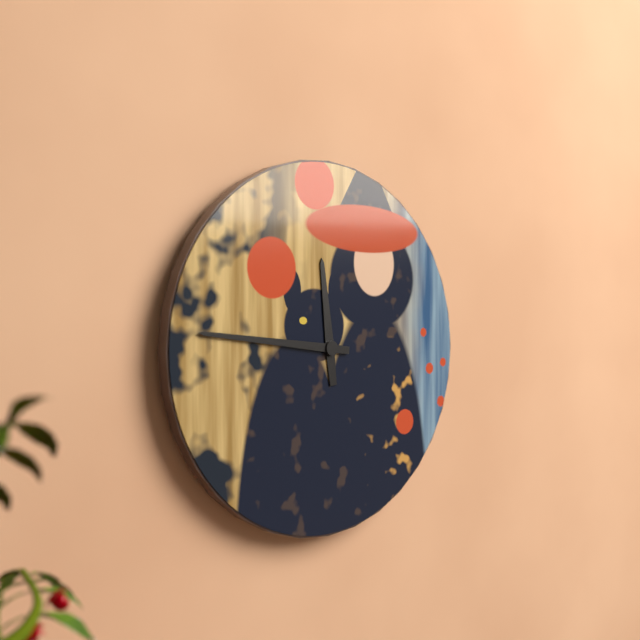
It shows h=11 m=46
